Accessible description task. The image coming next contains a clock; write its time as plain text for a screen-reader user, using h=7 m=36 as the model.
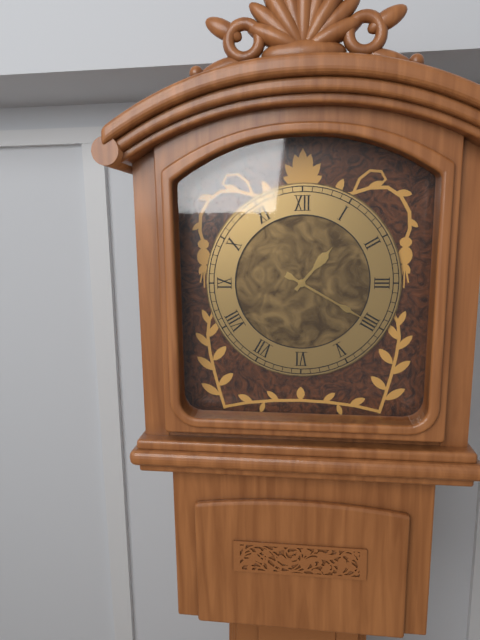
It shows h=1 m=20
